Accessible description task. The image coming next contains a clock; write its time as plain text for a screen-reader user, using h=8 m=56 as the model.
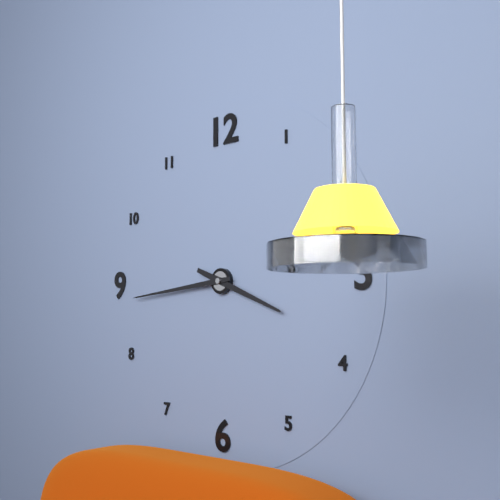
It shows h=3 m=44
